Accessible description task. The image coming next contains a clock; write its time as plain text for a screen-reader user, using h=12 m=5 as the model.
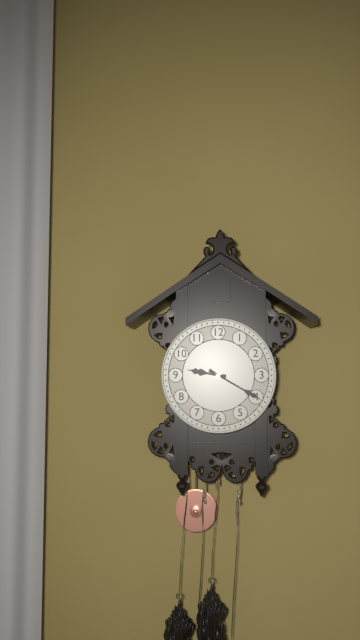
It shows h=9 m=20
